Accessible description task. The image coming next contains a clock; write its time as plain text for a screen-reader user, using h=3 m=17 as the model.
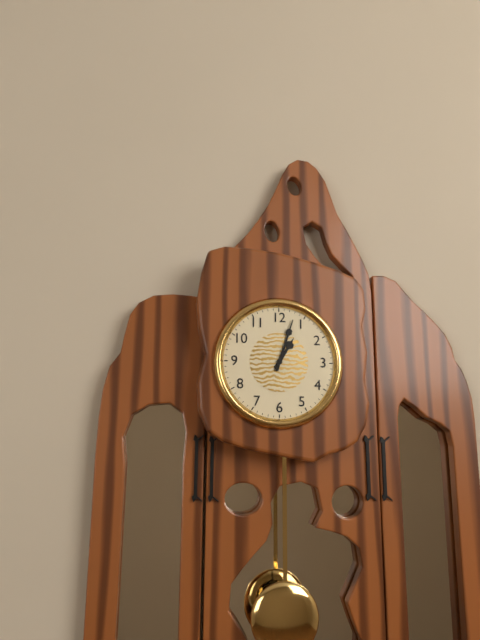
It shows h=1 m=3
